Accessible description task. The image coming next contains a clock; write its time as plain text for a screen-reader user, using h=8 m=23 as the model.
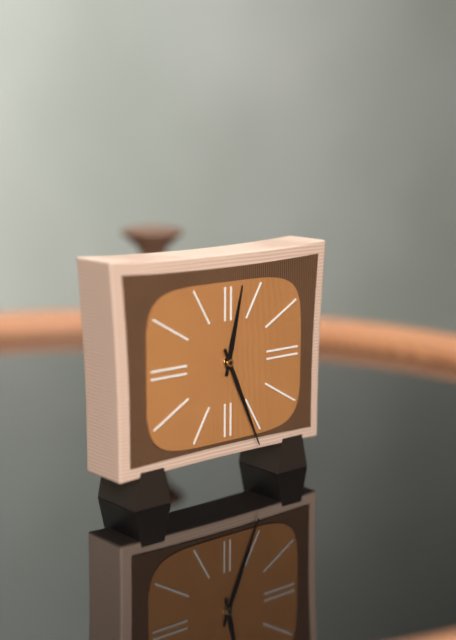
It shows h=12 m=26
